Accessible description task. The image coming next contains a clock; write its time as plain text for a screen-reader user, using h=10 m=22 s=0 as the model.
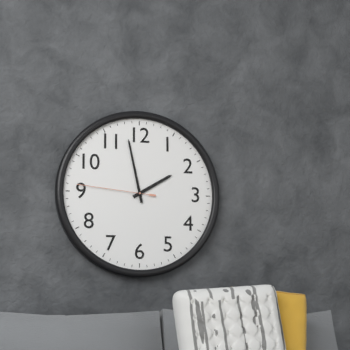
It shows h=1 m=58 s=46
